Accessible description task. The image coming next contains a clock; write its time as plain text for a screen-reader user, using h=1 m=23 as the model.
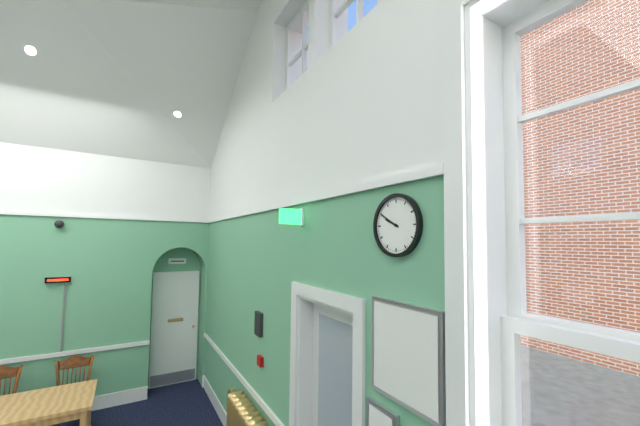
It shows h=9 m=50
